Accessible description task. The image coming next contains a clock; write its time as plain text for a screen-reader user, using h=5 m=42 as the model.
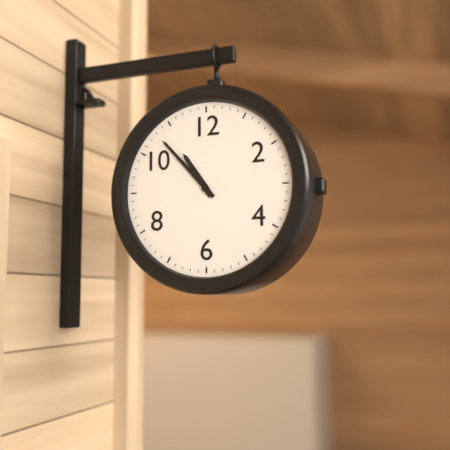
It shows h=10 m=53
